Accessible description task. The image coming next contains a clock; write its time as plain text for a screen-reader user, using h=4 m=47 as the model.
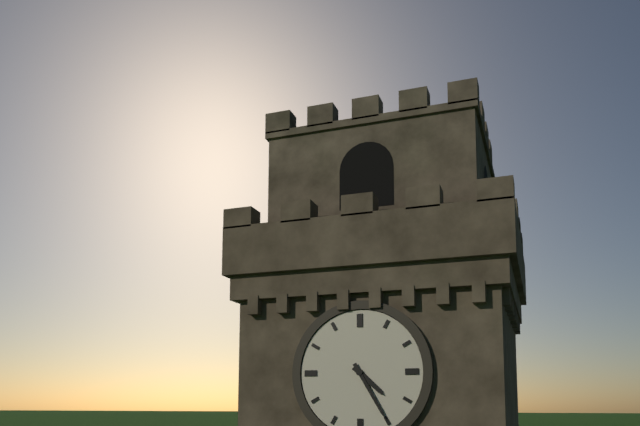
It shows h=4 m=25
